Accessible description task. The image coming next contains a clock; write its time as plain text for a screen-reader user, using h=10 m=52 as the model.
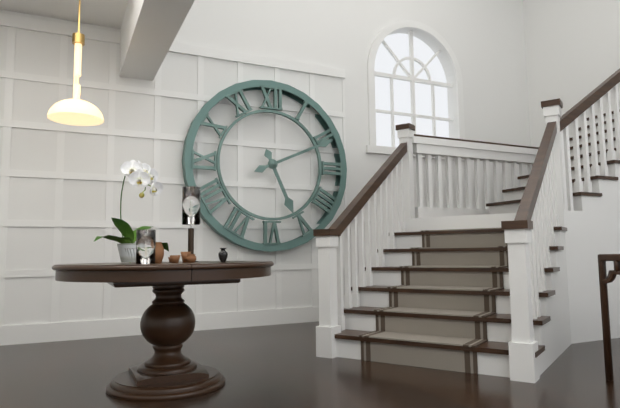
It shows h=5 m=11
